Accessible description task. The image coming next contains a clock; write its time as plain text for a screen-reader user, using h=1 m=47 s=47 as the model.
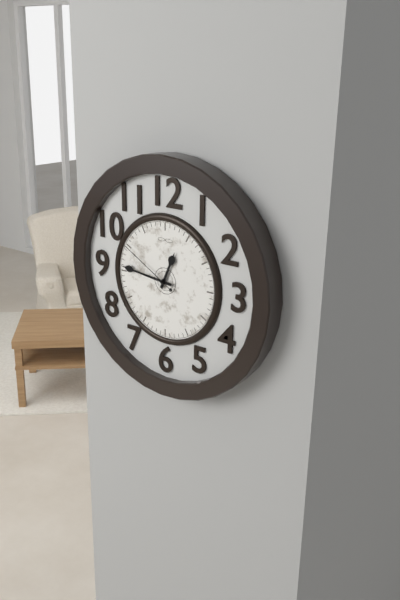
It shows h=12 m=46 s=50
